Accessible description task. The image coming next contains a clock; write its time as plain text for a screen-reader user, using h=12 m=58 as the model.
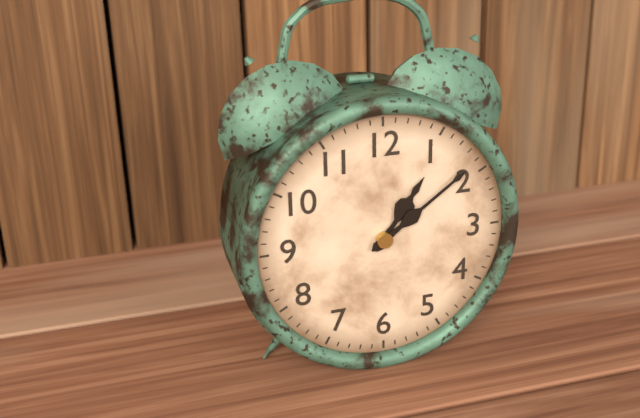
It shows h=1 m=9
